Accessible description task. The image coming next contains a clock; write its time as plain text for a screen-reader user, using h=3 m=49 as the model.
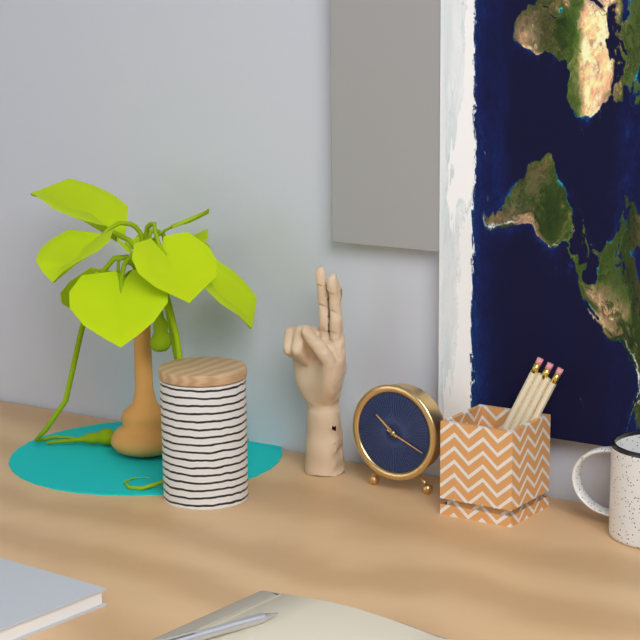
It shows h=10 m=19
